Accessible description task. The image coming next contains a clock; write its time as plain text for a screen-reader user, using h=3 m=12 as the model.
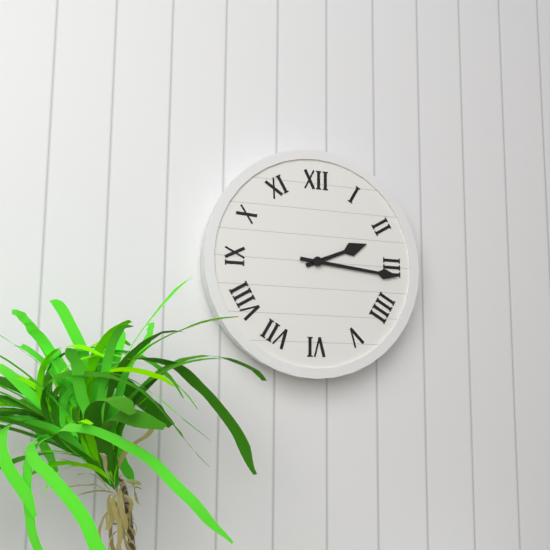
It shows h=2 m=16
